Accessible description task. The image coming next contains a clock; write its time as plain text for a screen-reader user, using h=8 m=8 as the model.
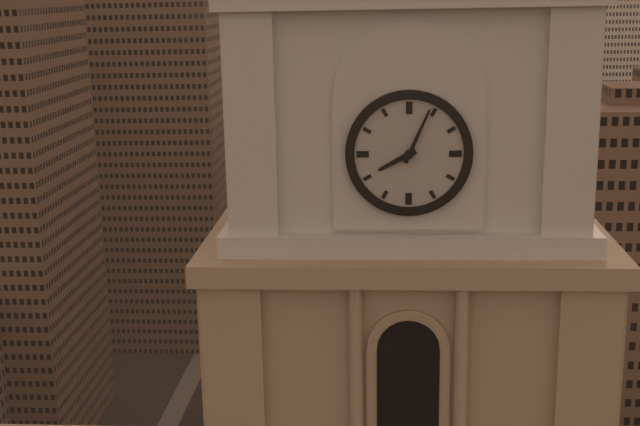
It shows h=8 m=4
